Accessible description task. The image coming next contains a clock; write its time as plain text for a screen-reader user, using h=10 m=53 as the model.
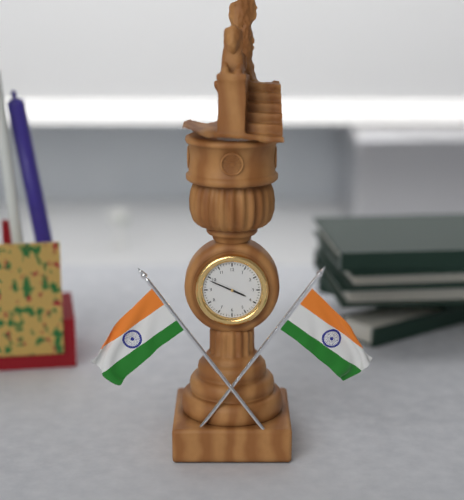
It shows h=3 m=49
